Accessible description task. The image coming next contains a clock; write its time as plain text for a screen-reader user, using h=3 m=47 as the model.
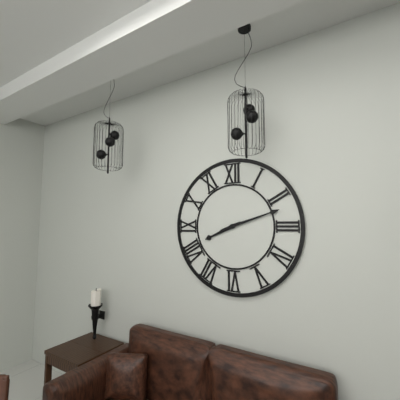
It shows h=8 m=12
